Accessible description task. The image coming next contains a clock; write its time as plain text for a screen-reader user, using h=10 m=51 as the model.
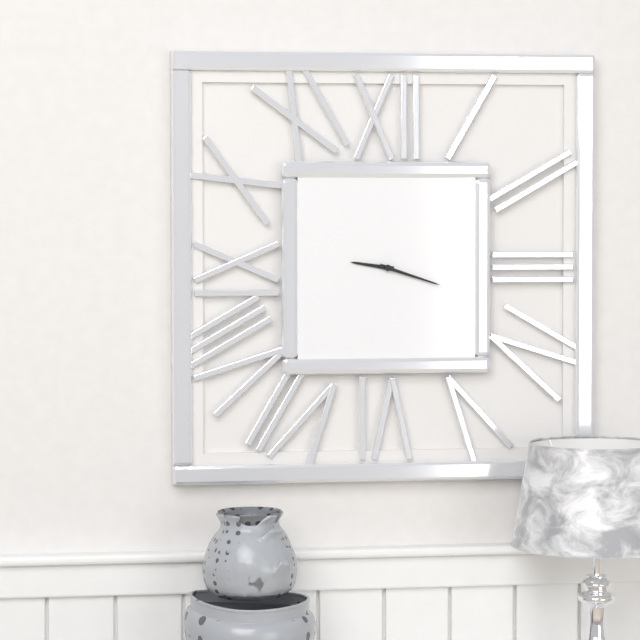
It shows h=9 m=18
